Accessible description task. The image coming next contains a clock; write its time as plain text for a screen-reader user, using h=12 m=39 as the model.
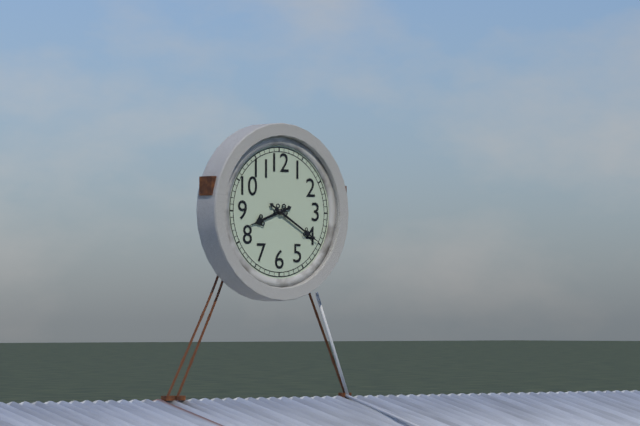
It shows h=8 m=20
